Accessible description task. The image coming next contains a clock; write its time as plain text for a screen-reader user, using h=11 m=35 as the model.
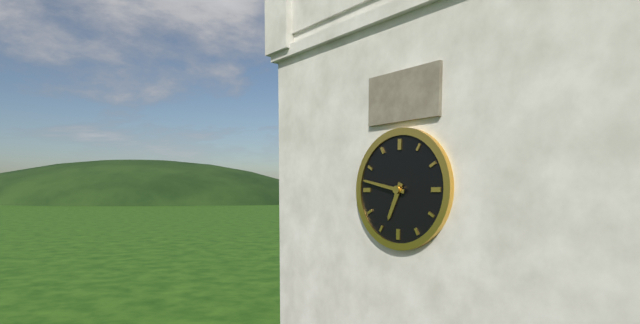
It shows h=6 m=47
